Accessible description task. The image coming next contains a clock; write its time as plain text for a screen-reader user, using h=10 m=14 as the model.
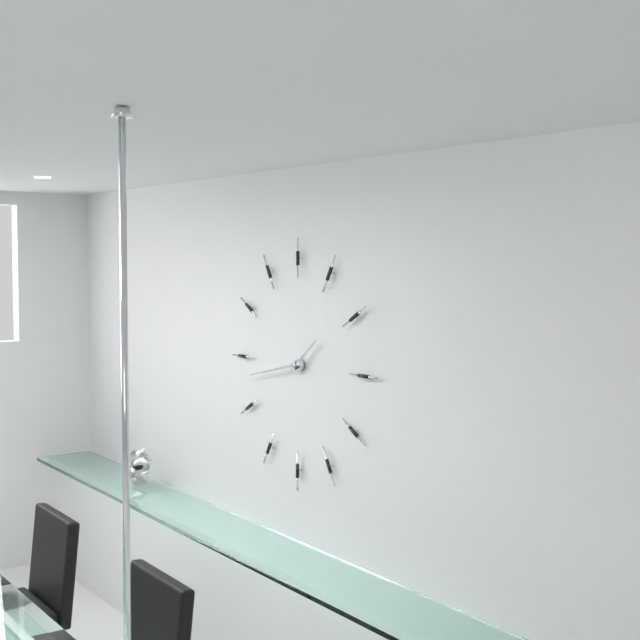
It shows h=1 m=43
